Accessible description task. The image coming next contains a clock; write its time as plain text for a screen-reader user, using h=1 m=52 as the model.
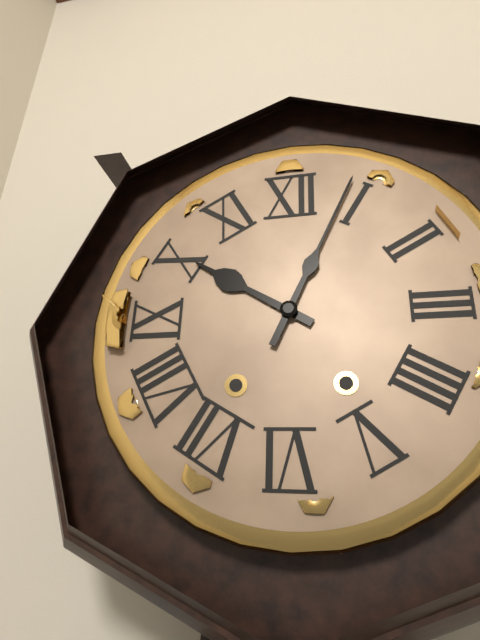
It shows h=10 m=4
